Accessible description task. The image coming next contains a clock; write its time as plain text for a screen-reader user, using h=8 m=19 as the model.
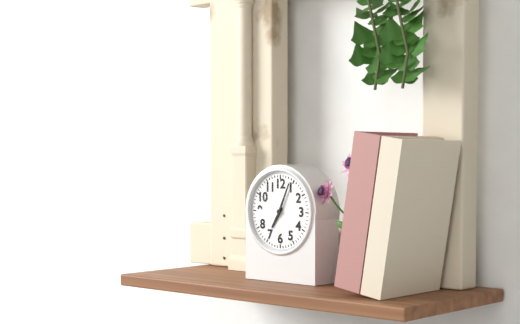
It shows h=7 m=4
